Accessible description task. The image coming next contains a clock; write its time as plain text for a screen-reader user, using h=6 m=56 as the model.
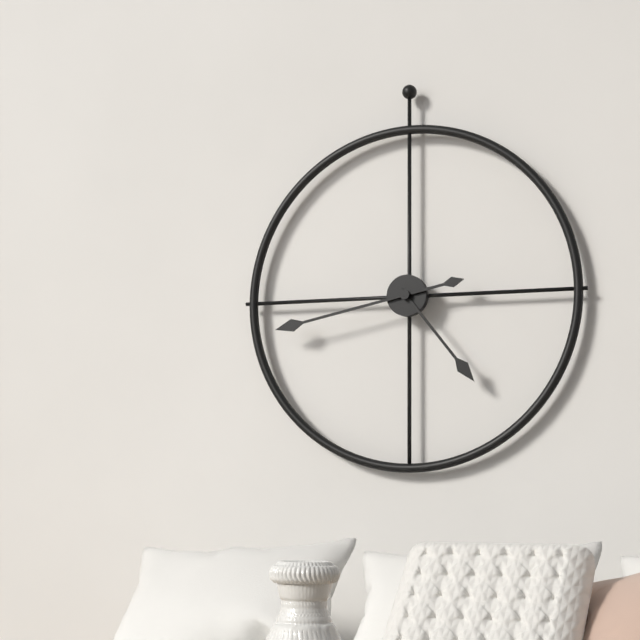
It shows h=4 m=43
